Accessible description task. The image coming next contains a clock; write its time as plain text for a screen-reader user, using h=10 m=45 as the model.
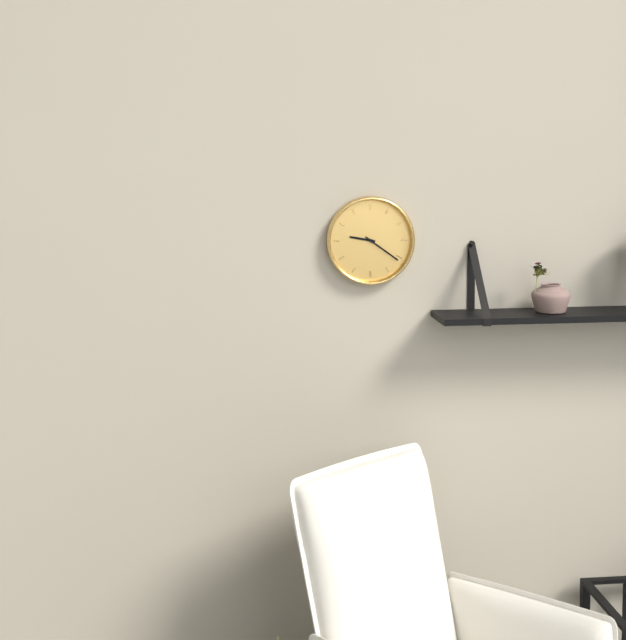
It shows h=9 m=21
